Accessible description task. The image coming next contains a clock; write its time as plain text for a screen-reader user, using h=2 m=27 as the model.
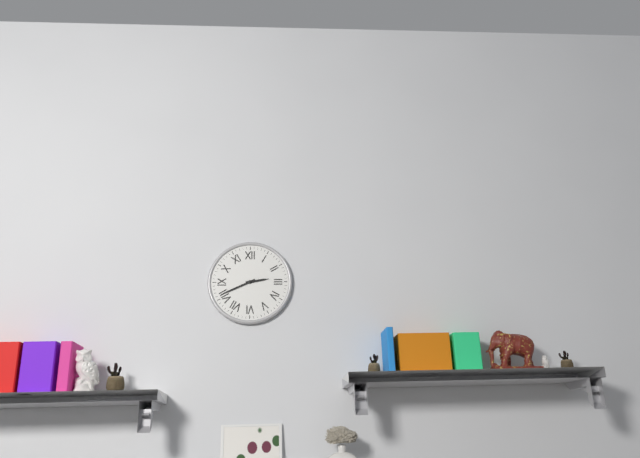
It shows h=2 m=41
